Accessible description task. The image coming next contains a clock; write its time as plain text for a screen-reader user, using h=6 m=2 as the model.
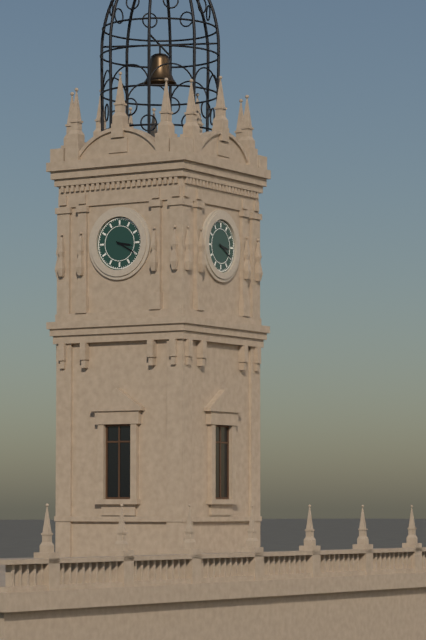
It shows h=3 m=20
